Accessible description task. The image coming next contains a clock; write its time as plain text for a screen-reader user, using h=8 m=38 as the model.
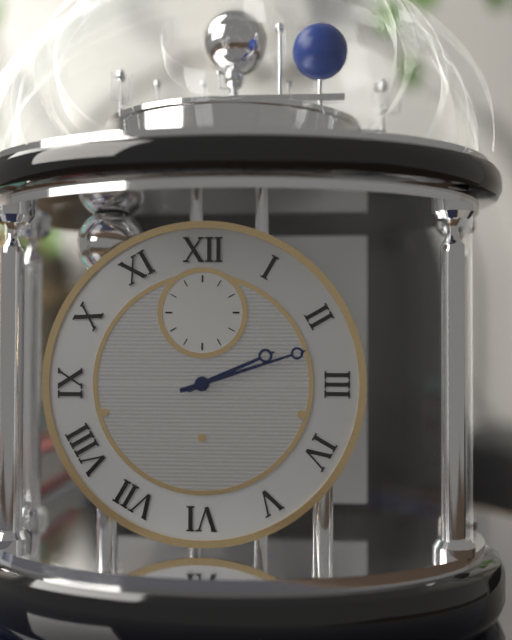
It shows h=2 m=12
